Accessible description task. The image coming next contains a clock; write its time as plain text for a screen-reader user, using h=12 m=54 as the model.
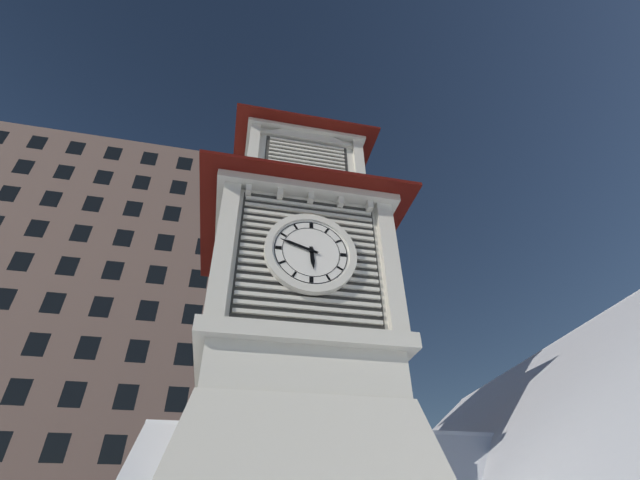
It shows h=5 m=48
